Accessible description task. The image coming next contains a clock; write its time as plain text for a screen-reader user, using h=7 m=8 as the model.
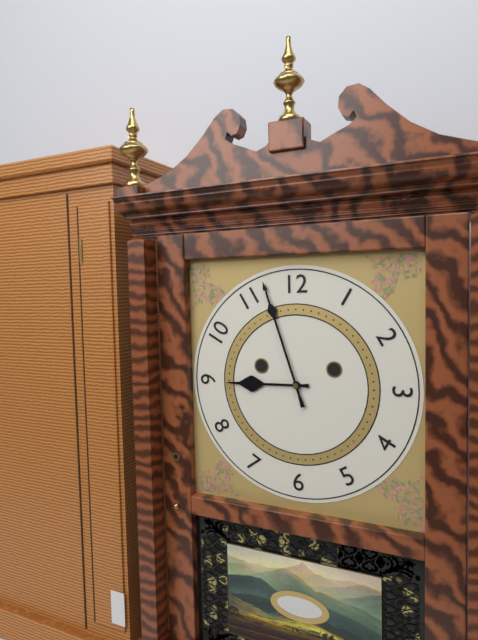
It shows h=8 m=57
